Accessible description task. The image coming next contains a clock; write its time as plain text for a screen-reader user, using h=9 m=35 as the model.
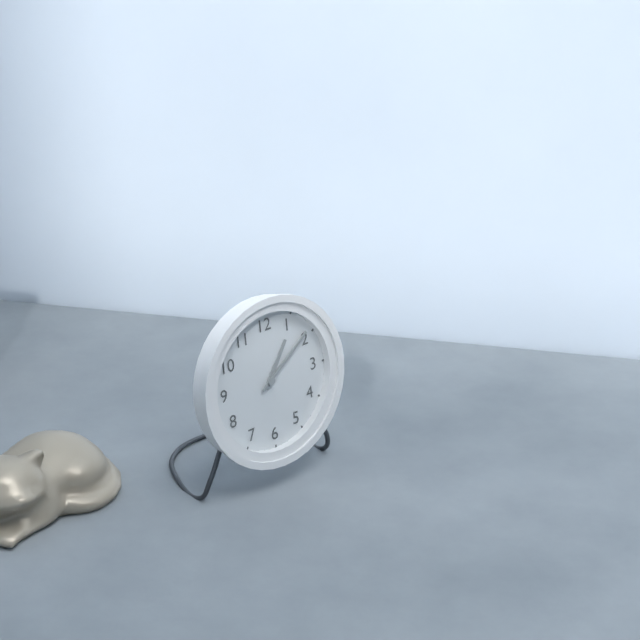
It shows h=1 m=9
